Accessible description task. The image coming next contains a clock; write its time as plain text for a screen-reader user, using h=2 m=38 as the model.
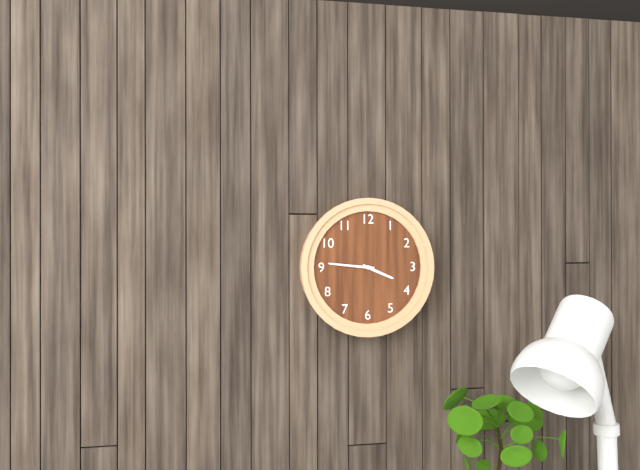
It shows h=3 m=46
